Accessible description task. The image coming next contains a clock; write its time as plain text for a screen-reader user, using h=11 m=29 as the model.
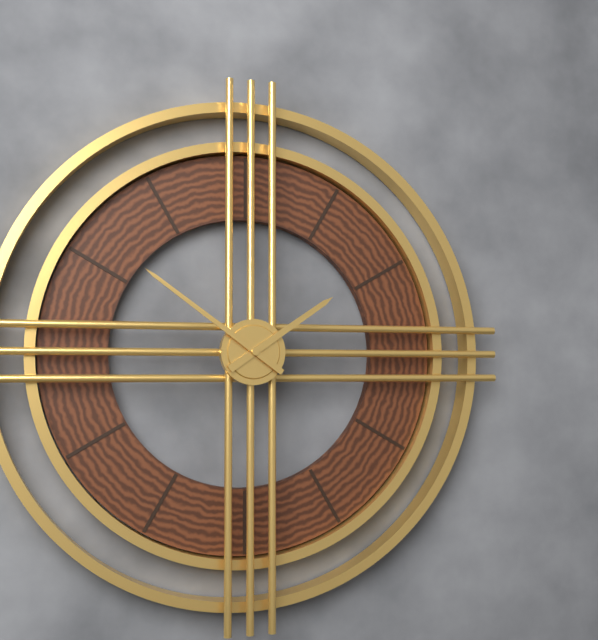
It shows h=1 m=51
